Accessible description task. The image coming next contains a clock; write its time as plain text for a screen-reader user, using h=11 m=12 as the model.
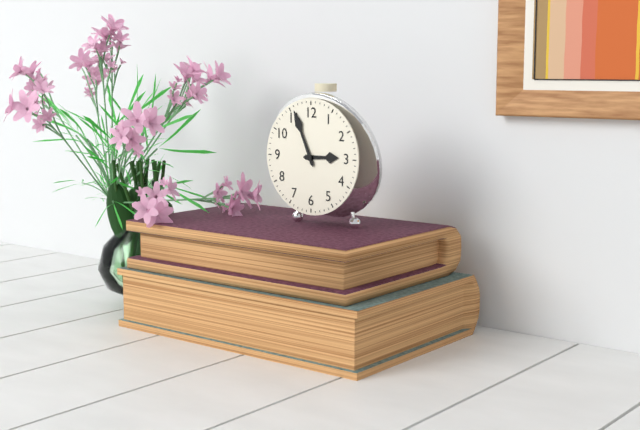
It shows h=2 m=56
